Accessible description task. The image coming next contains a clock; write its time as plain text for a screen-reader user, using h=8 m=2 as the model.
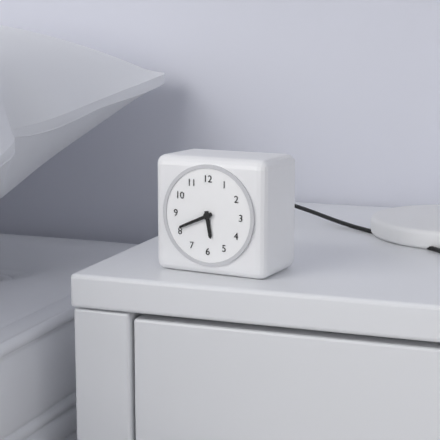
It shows h=5 m=41
